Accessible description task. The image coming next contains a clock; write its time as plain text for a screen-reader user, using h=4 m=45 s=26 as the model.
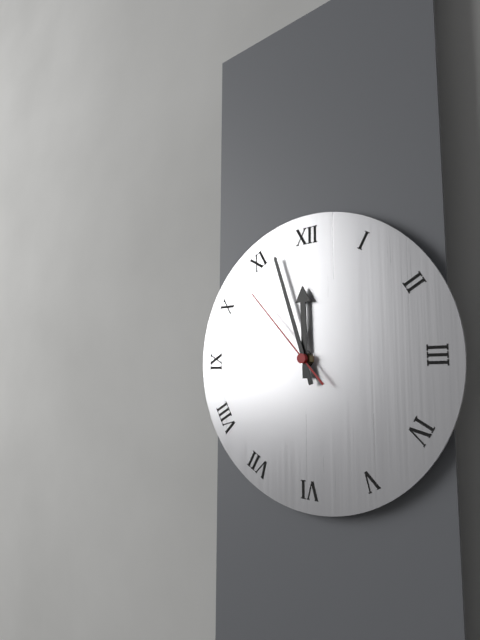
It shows h=11 m=57 s=53
